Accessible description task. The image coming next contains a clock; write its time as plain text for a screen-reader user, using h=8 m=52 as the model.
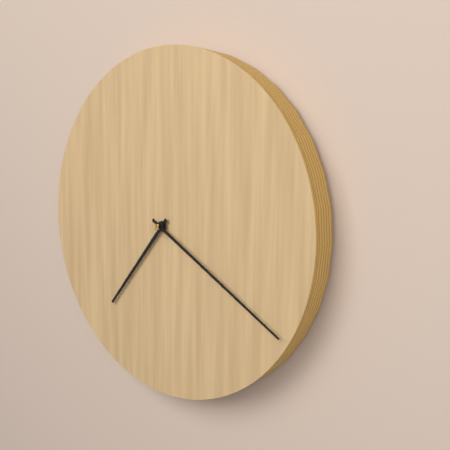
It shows h=7 m=20
